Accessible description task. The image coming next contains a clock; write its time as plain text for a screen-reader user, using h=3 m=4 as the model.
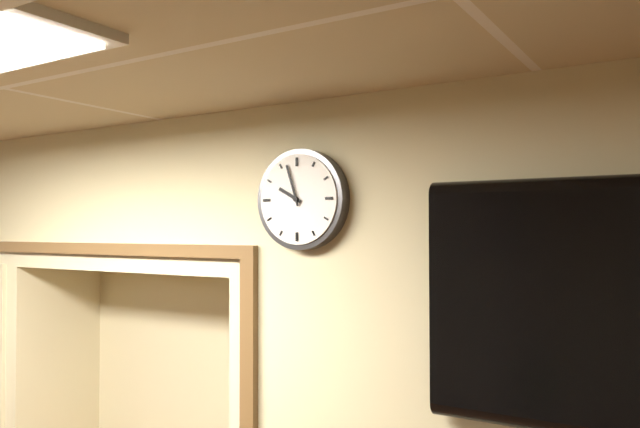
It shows h=9 m=57
